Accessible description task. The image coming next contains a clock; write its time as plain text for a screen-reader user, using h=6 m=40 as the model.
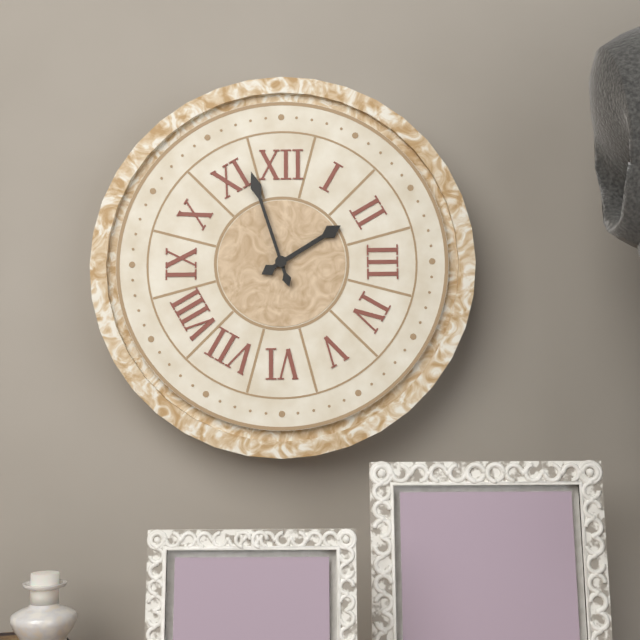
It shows h=1 m=57
